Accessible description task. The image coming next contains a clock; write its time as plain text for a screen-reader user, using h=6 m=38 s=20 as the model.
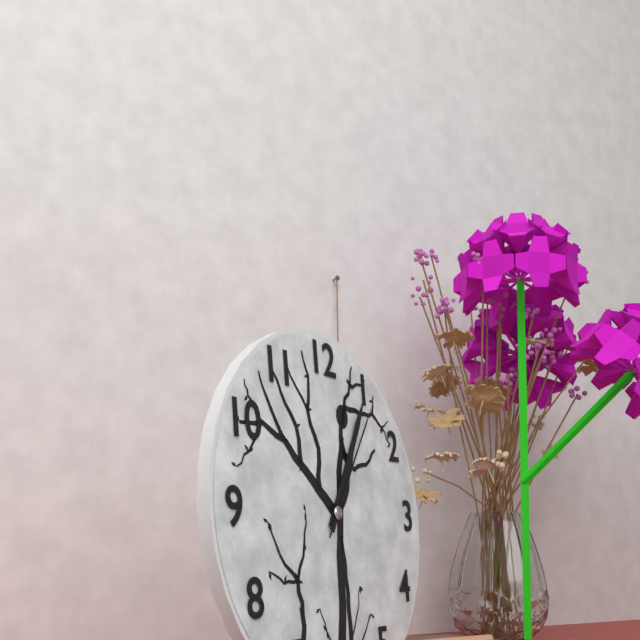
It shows h=1 m=5 s=6
